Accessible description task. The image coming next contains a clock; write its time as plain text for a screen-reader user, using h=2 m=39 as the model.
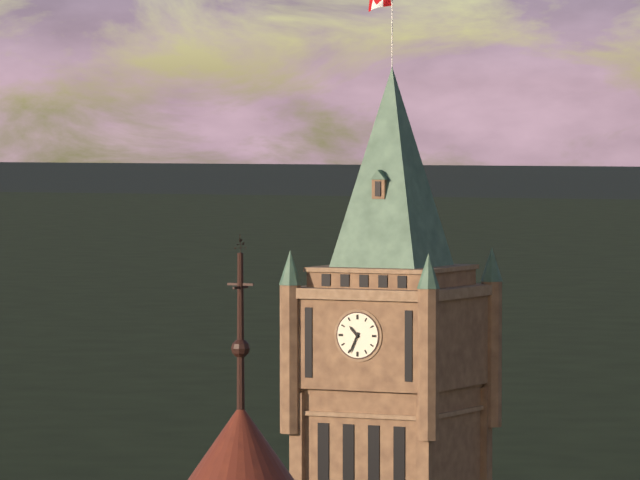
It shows h=10 m=34
